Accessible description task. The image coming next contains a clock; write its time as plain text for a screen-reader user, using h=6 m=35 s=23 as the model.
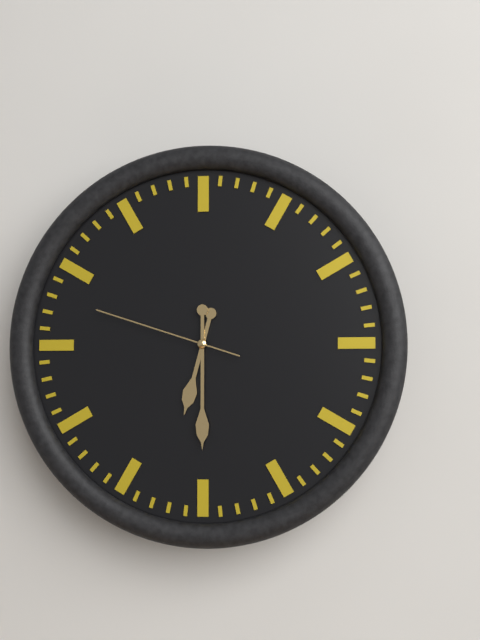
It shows h=6 m=30 s=48
